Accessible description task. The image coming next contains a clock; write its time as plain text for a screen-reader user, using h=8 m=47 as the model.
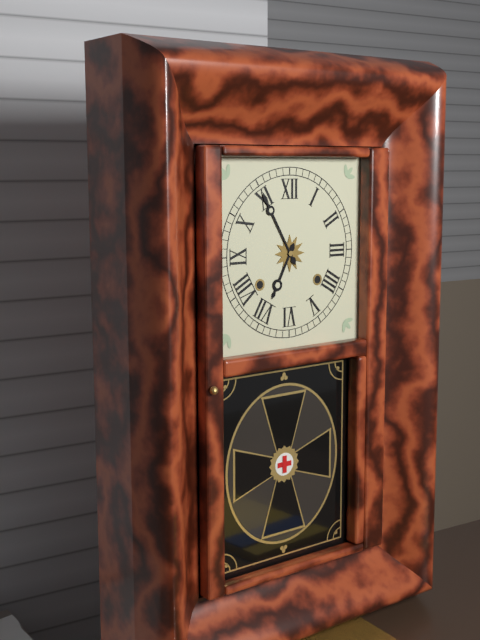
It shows h=6 m=55
